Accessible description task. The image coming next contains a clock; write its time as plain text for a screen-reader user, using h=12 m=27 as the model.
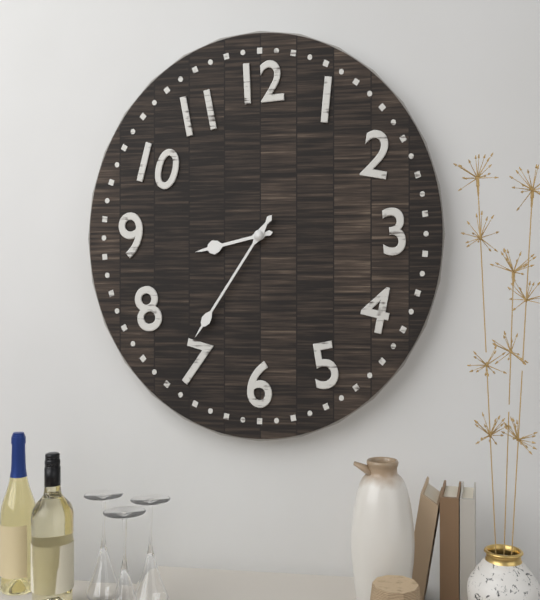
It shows h=8 m=36
